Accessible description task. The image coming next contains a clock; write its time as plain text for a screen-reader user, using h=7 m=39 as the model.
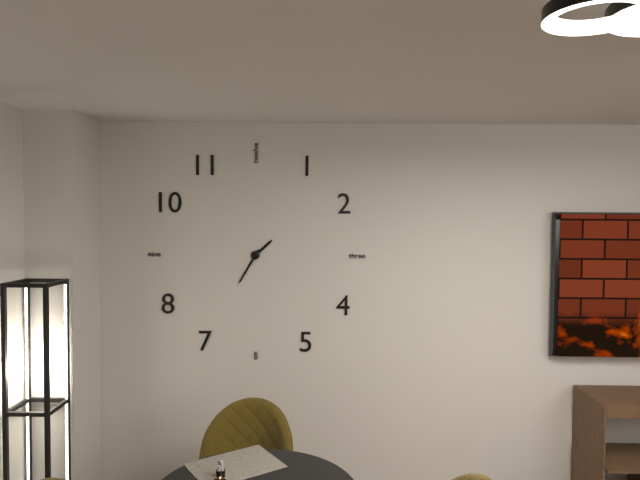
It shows h=1 m=35
